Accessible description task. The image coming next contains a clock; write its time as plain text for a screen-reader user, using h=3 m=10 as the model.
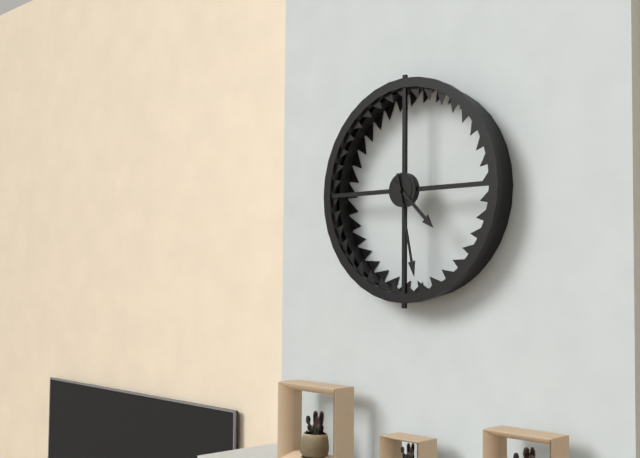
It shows h=4 m=28
